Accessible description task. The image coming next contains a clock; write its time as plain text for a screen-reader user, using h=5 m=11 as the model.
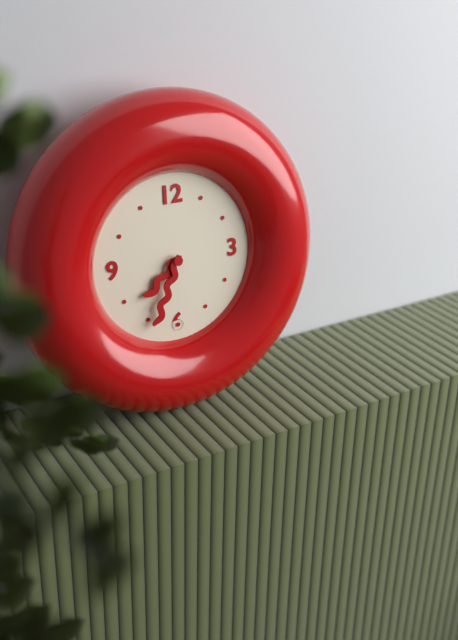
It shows h=7 m=34
